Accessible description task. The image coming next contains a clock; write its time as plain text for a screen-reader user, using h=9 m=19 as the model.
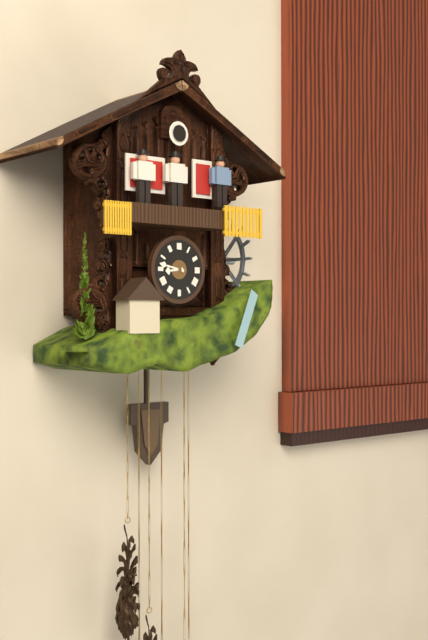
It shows h=8 m=47
